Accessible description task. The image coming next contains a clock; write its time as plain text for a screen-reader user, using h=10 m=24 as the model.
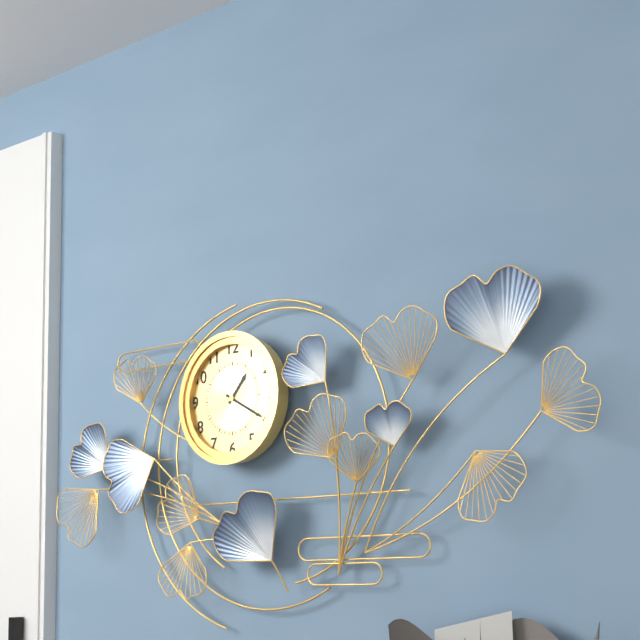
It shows h=1 m=20
